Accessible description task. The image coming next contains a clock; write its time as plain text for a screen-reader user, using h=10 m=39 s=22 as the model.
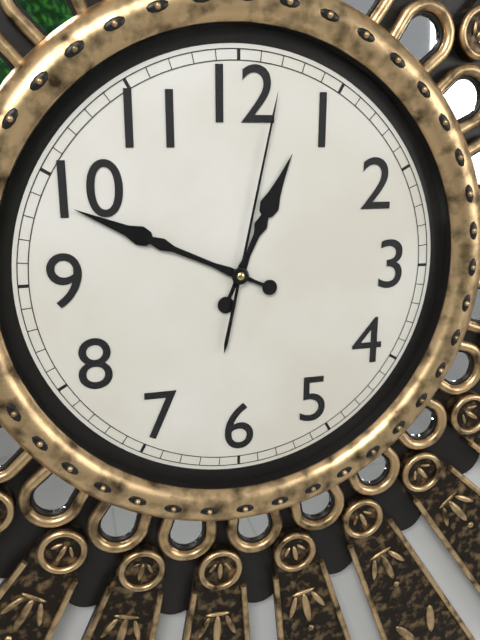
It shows h=12 m=49 s=2
